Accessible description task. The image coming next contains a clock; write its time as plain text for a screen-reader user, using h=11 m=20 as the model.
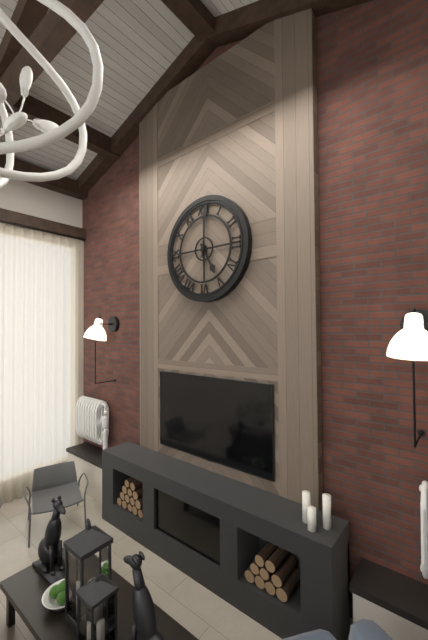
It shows h=5 m=1
